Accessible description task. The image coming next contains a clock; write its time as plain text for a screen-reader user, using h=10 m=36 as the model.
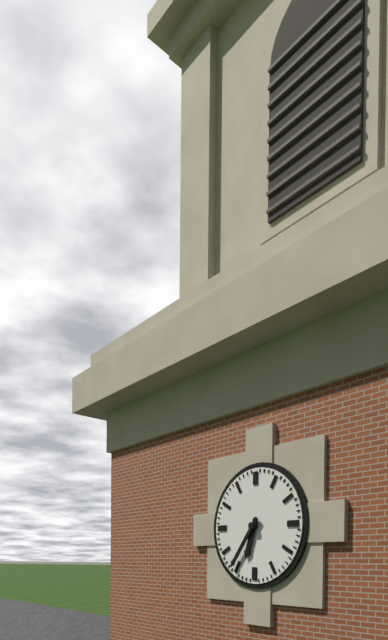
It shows h=6 m=36
